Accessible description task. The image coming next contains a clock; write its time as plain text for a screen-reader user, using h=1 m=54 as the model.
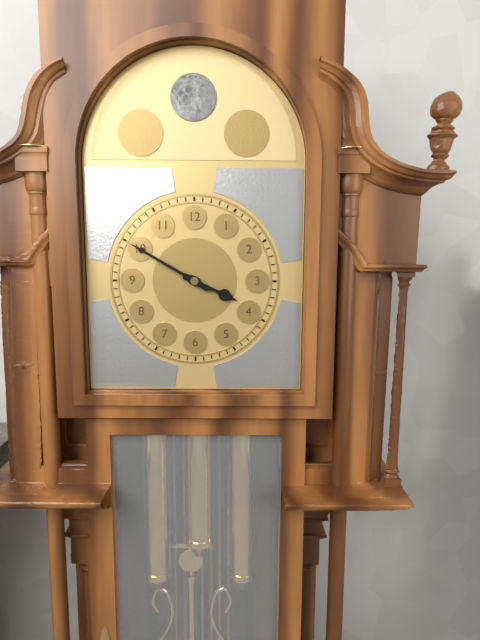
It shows h=3 m=50
